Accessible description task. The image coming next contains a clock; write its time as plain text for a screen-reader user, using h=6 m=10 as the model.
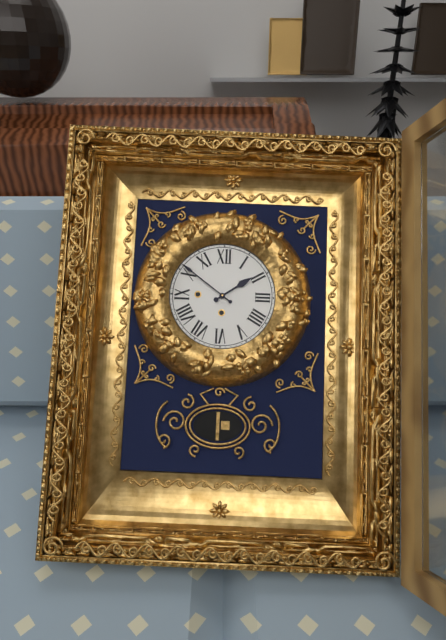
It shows h=1 m=51
